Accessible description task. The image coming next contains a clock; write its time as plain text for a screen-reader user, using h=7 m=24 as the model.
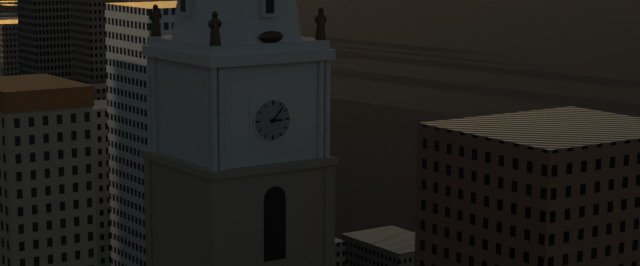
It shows h=3 m=7
